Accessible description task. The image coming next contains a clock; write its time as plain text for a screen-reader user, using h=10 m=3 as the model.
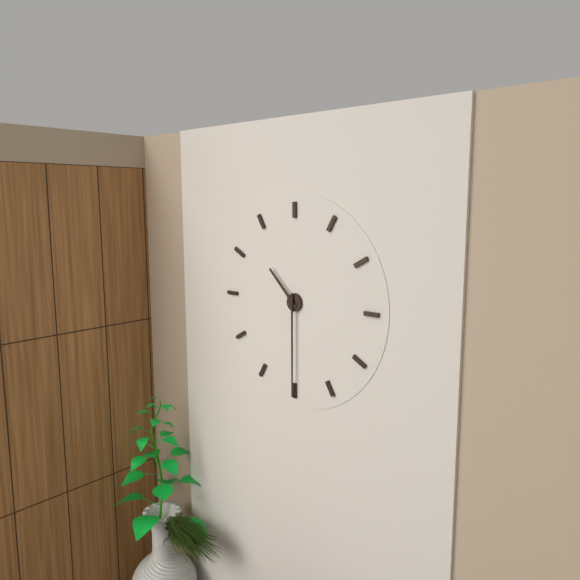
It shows h=10 m=30
